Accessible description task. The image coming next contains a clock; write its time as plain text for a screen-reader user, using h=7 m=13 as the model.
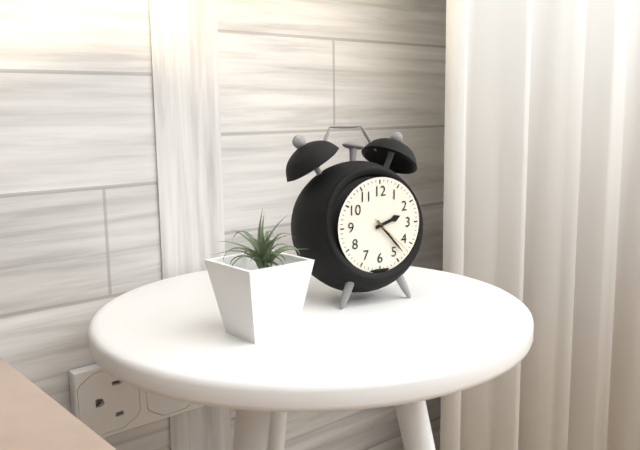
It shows h=2 m=23
